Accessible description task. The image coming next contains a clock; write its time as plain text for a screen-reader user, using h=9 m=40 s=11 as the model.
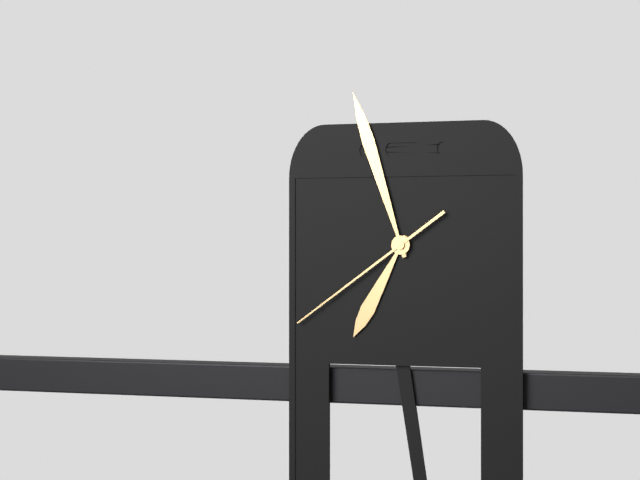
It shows h=6 m=57 s=39
